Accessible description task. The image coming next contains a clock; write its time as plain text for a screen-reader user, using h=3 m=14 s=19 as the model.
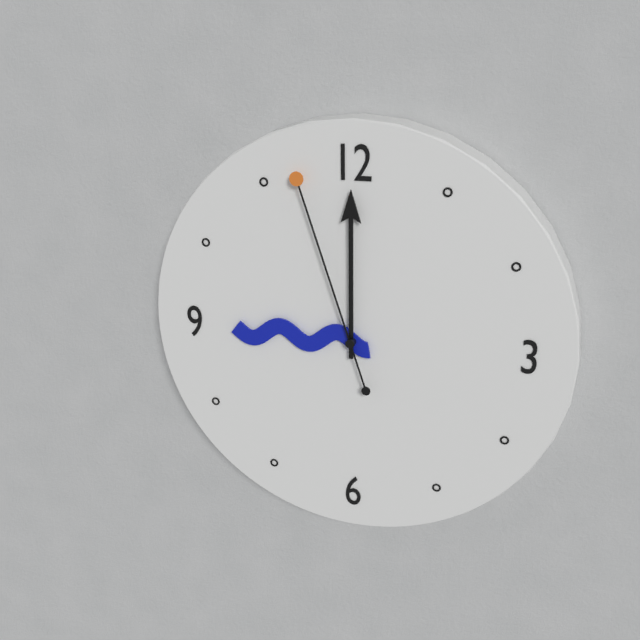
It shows h=9 m=0 s=57
